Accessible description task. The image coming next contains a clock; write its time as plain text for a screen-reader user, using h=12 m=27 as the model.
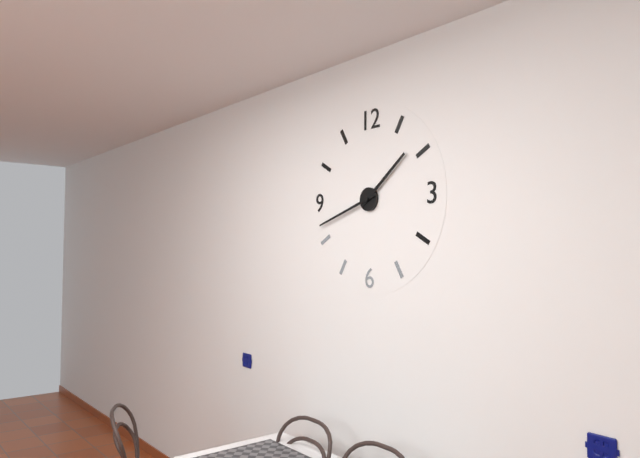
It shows h=1 m=42
